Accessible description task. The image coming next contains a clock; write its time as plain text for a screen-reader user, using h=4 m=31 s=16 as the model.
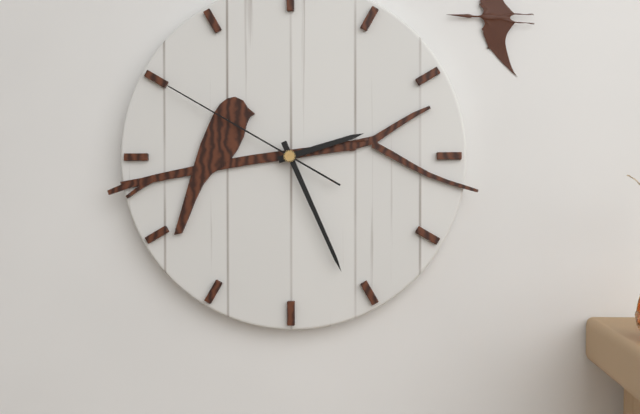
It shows h=2 m=26 s=50
